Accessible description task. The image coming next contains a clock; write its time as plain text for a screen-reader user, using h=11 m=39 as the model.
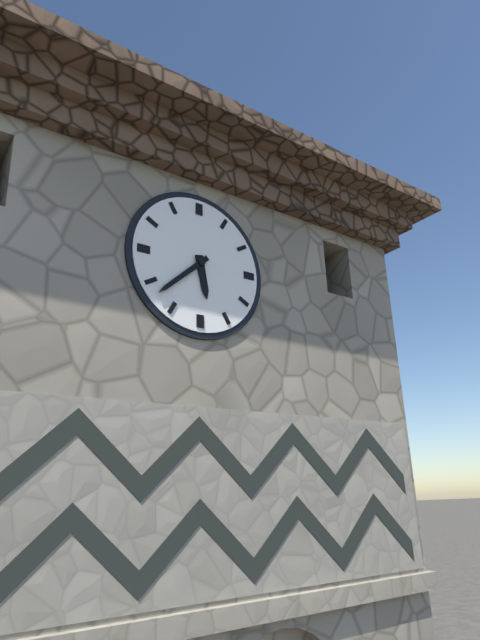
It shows h=5 m=38
